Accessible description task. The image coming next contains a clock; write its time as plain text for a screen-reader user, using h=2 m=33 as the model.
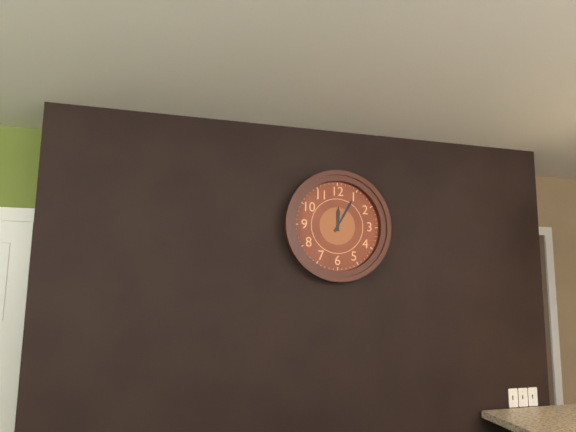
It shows h=12 m=5
